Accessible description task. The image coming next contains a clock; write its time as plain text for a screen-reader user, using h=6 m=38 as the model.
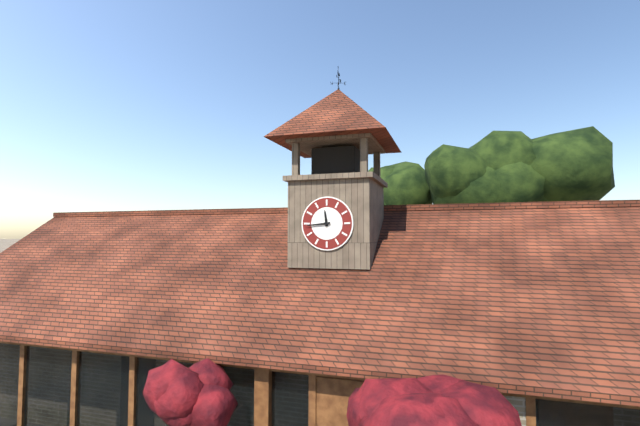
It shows h=11 m=44
